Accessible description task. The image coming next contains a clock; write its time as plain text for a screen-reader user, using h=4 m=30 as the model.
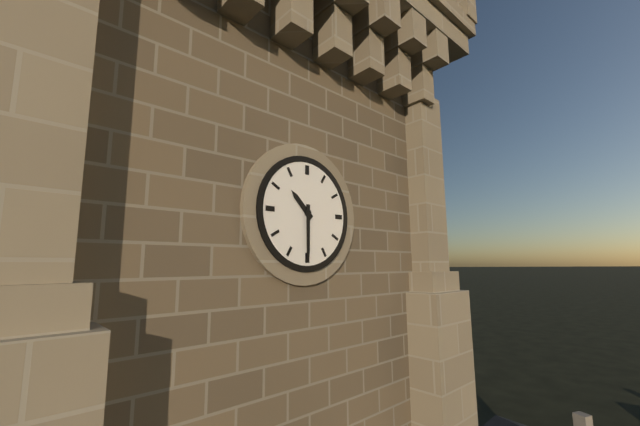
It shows h=10 m=30
